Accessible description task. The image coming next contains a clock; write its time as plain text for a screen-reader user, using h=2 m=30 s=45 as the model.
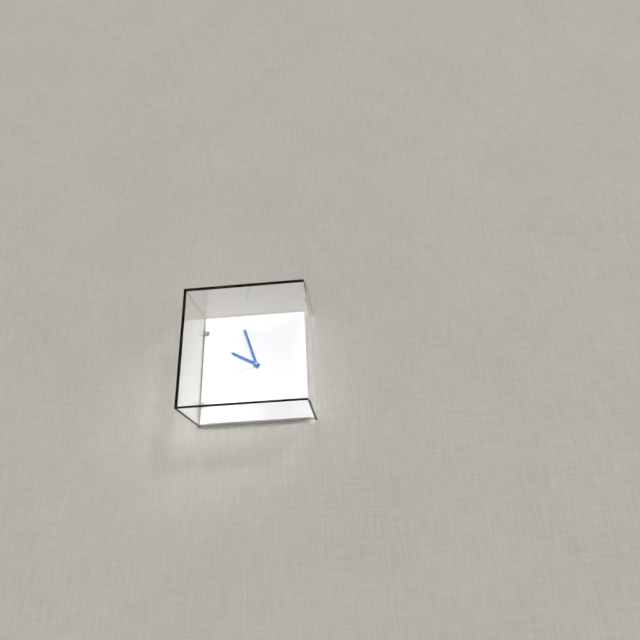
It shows h=9 m=57 s=42
